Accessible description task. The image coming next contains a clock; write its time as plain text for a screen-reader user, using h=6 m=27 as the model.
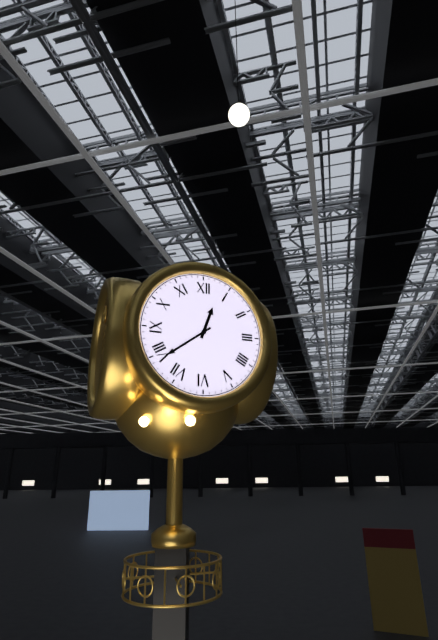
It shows h=12 m=39
